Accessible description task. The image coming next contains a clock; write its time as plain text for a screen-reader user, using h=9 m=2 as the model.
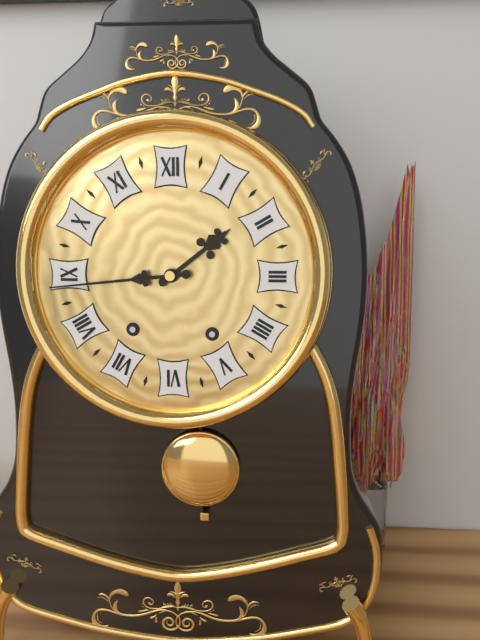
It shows h=1 m=44
